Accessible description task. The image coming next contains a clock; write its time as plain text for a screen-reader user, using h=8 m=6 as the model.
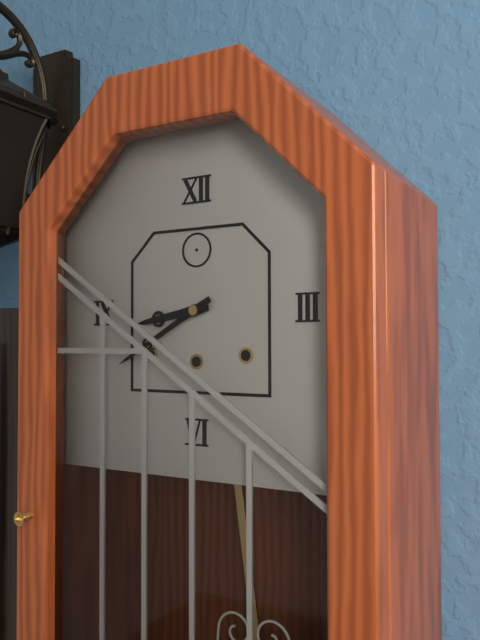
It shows h=8 m=40
